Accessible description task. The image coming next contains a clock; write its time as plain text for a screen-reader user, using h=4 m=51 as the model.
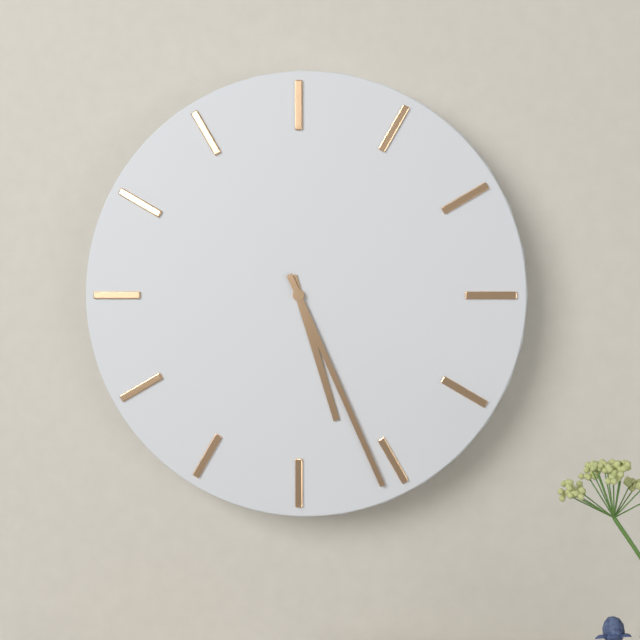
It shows h=5 m=26
